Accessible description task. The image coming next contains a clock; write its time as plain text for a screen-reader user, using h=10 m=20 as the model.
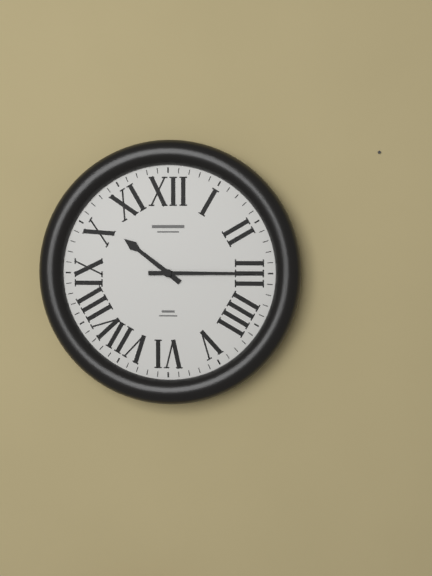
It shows h=10 m=15
